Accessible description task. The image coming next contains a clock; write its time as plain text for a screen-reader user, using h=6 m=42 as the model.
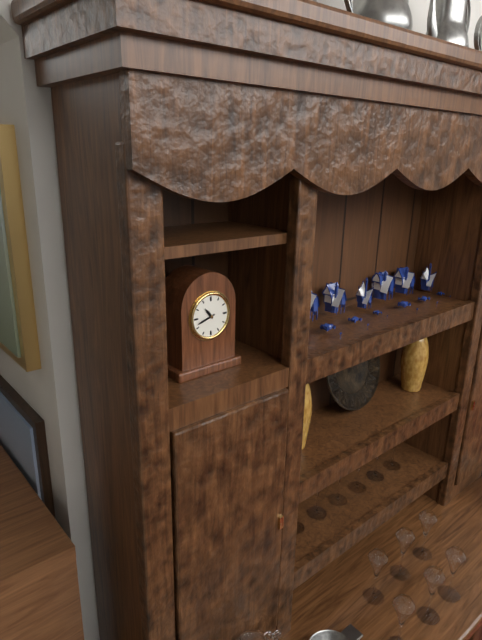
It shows h=10 m=42
